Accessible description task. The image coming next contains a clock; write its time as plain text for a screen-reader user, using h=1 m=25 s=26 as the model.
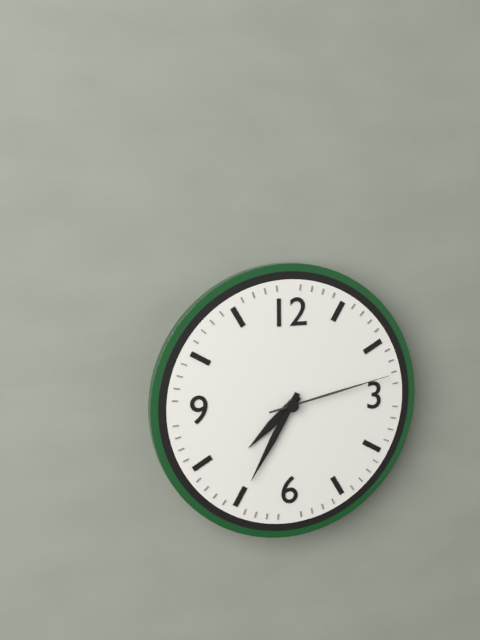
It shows h=7 m=35 s=13
